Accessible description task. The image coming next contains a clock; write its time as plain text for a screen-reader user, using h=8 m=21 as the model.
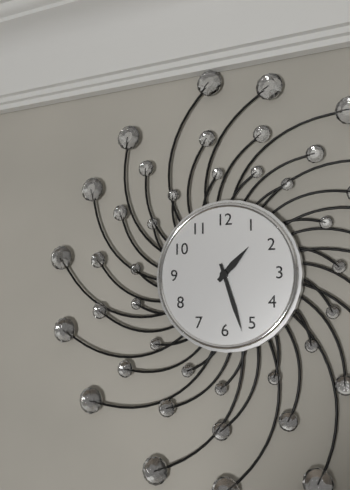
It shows h=1 m=27
